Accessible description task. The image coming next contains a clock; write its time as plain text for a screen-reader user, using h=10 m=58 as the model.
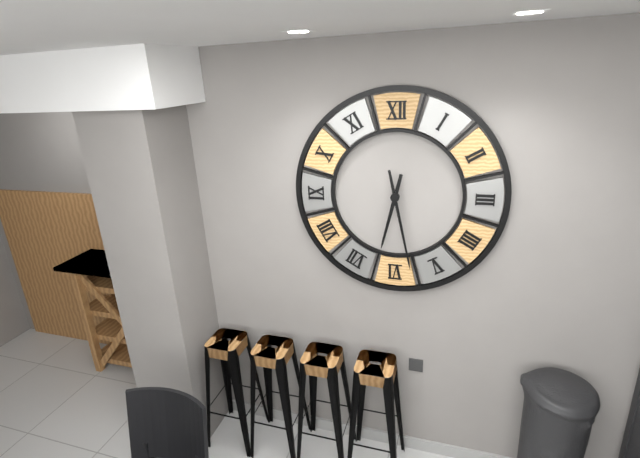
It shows h=6 m=28
